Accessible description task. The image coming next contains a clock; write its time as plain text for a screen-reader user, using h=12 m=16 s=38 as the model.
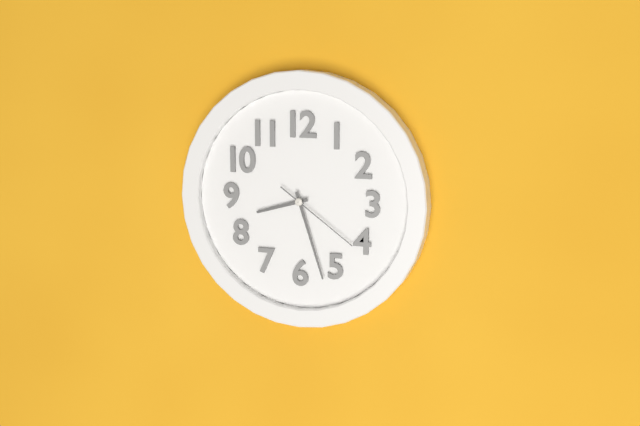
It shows h=8 m=27 s=21
